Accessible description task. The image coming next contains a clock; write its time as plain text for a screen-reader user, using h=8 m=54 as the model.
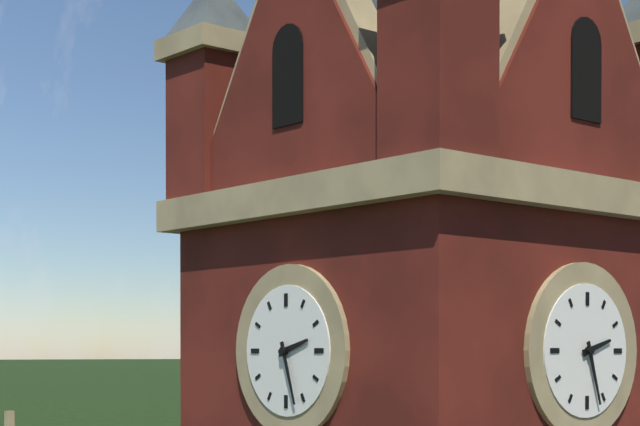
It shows h=2 m=27
